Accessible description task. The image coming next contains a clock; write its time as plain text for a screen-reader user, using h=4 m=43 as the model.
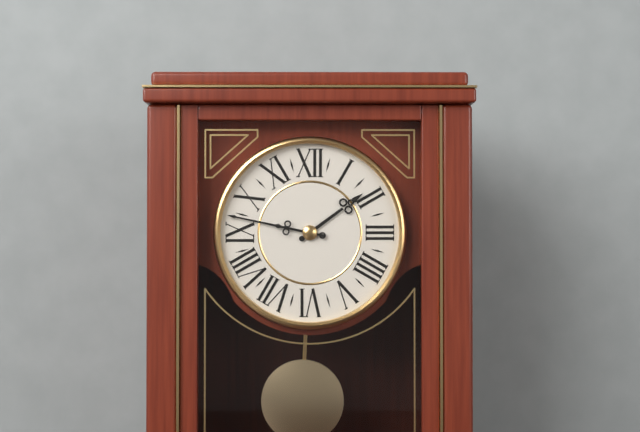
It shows h=1 m=47
